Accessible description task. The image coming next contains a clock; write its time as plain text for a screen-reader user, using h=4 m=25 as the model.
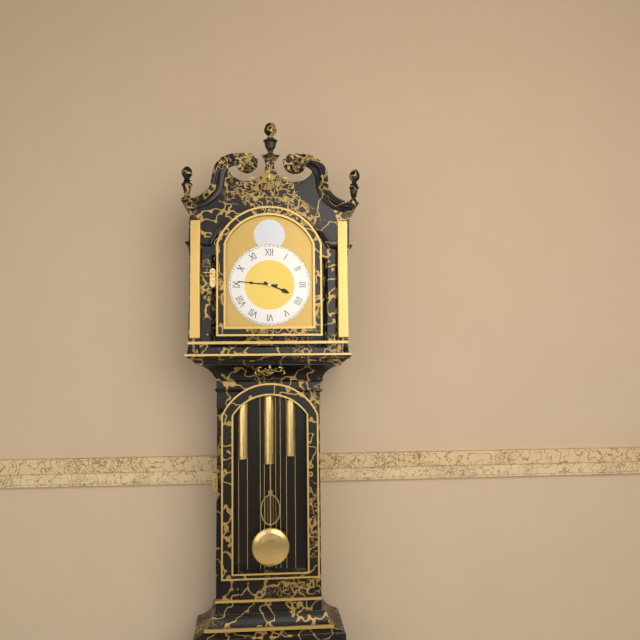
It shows h=3 m=46
